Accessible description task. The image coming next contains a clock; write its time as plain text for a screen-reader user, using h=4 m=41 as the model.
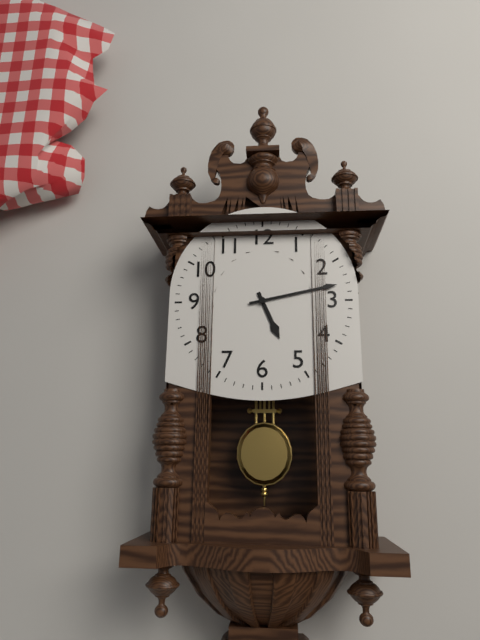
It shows h=5 m=13
